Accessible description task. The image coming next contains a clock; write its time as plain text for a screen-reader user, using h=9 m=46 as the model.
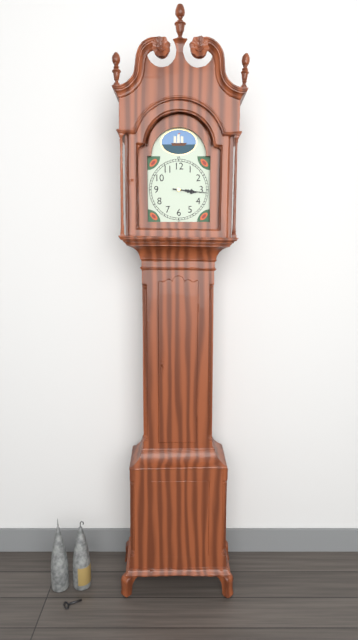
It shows h=3 m=16
